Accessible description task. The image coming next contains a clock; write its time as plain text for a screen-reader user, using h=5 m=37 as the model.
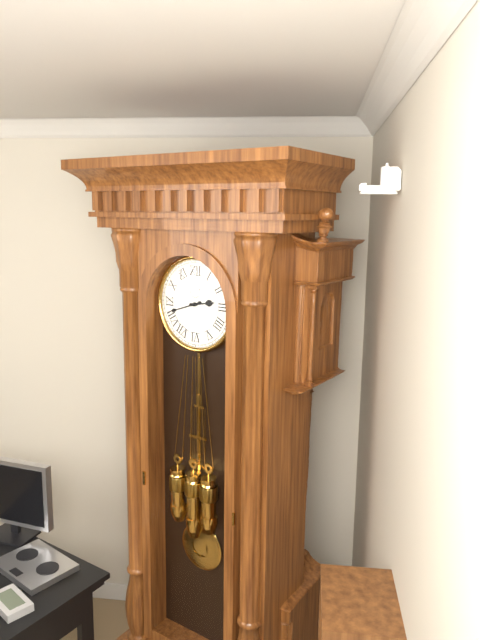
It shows h=2 m=42
